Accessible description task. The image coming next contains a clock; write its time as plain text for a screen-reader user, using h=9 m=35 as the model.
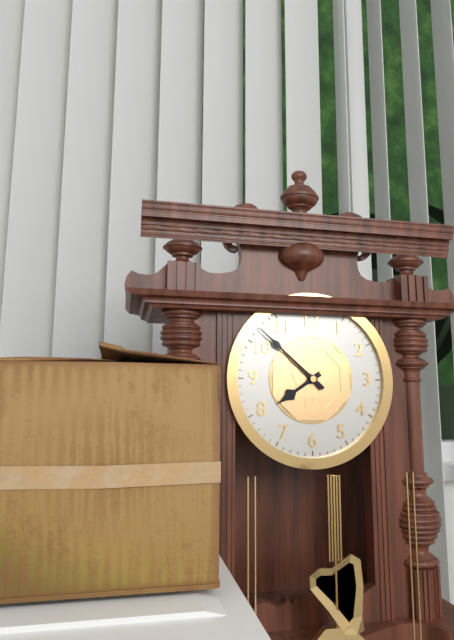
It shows h=7 m=52
